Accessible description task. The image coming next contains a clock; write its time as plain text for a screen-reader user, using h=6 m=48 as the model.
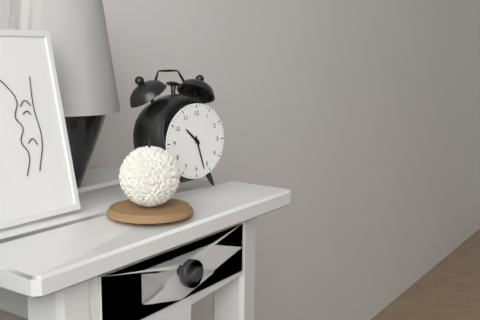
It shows h=10 m=27
